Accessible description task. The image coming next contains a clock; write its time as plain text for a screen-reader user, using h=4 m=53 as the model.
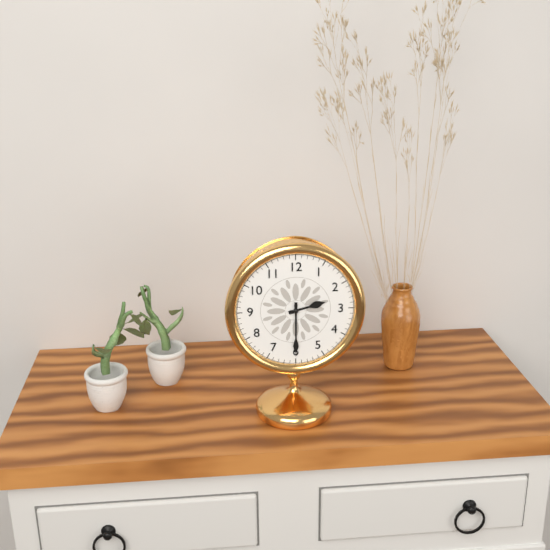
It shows h=2 m=30
